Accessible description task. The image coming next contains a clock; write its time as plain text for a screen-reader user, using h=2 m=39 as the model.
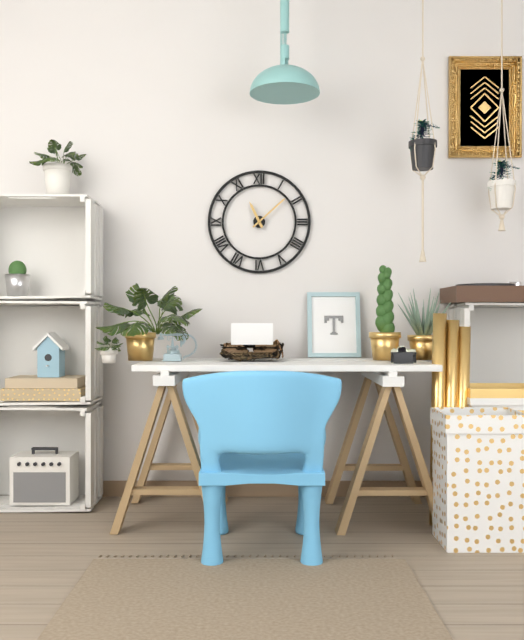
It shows h=11 m=8
